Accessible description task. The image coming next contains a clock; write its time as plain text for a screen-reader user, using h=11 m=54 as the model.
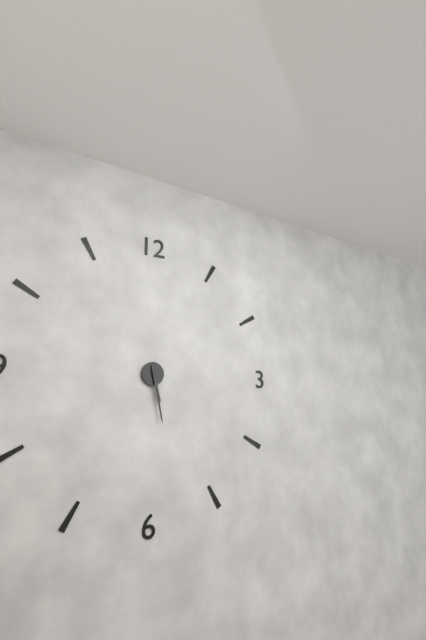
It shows h=5 m=28
